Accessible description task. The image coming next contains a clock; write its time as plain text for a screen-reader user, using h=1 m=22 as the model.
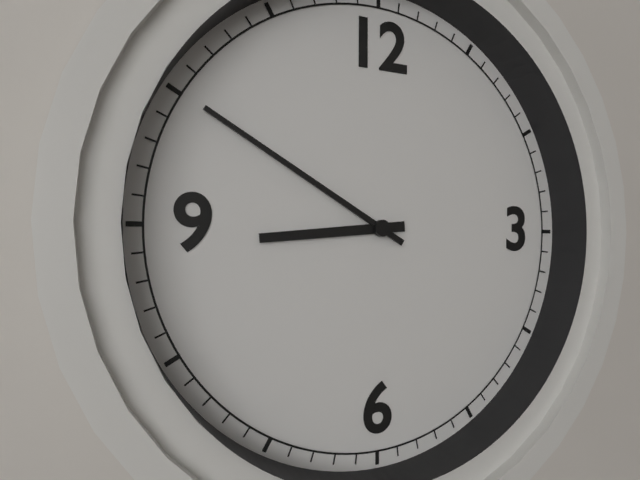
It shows h=8 m=50
